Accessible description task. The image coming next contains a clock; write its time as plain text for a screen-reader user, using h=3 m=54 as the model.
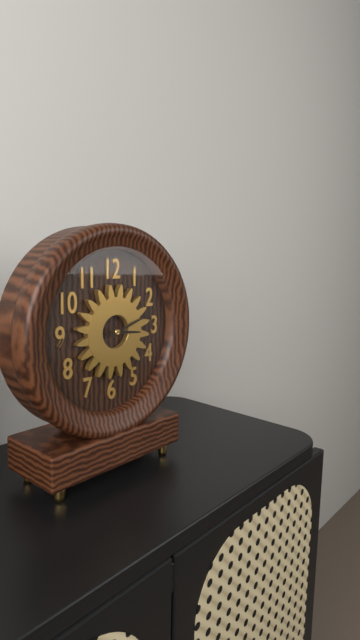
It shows h=3 m=12
